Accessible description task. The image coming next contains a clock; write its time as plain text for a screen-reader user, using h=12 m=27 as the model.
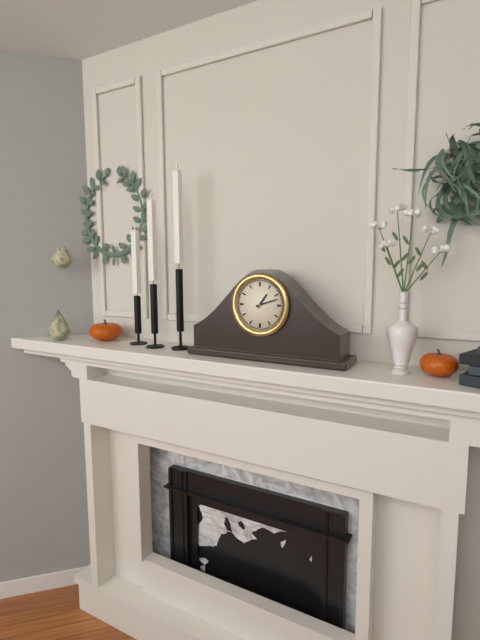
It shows h=1 m=12
